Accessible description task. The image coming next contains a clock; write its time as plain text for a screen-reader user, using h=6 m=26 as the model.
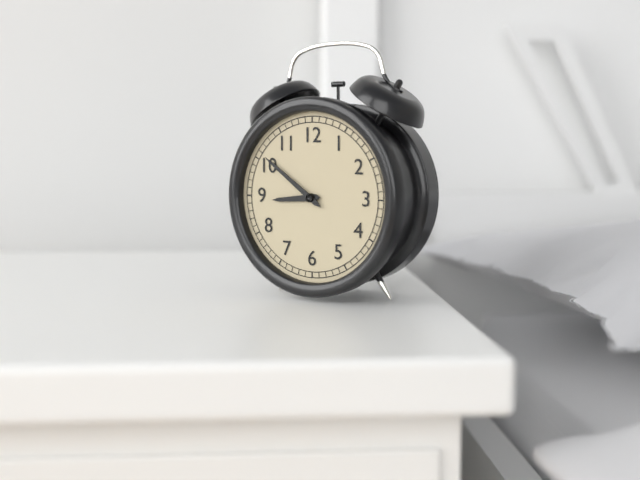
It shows h=8 m=51
